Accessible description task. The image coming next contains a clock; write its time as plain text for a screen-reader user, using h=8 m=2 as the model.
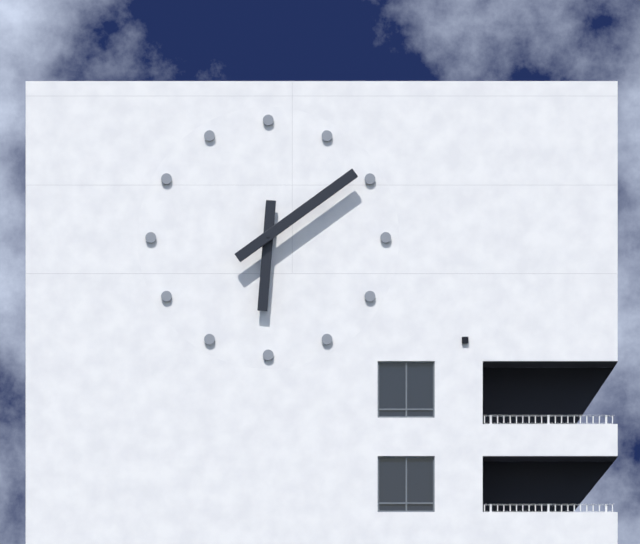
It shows h=6 m=9
